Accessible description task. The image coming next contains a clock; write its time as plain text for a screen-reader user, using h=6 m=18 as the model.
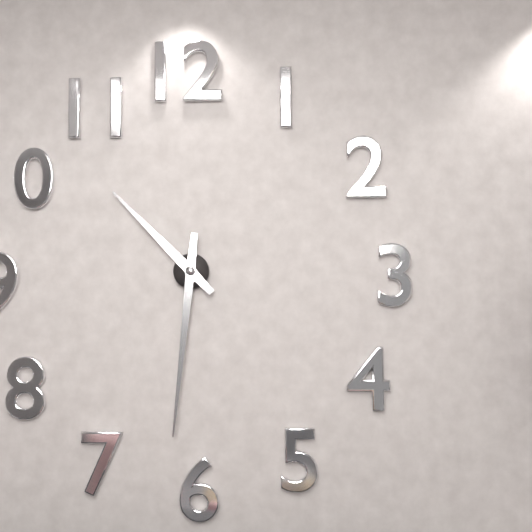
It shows h=10 m=31
